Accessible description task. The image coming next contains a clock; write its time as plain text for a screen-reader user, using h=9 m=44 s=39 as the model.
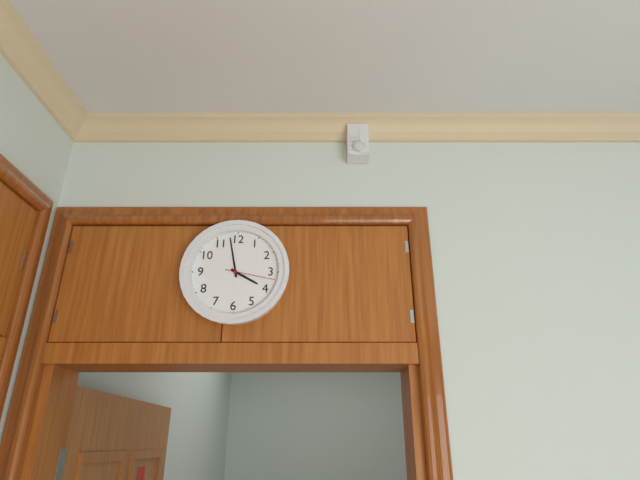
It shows h=3 m=58 s=17
